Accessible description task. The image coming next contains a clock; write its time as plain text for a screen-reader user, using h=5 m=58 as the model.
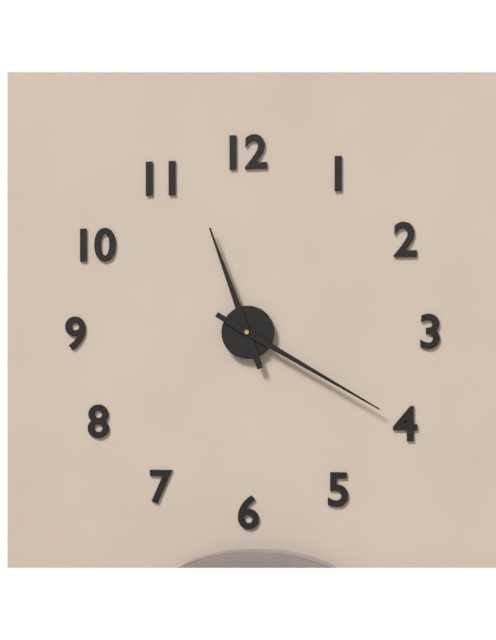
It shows h=11 m=20
